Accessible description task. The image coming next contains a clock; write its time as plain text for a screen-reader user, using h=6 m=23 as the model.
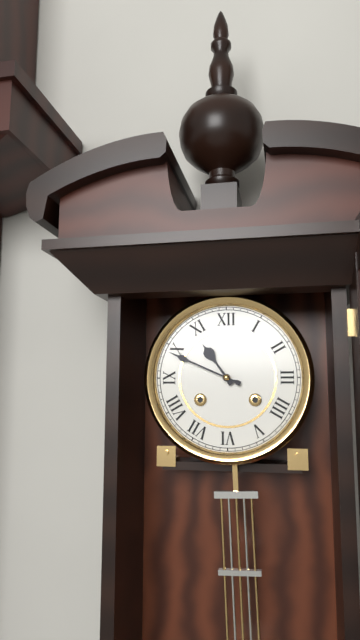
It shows h=10 m=49
